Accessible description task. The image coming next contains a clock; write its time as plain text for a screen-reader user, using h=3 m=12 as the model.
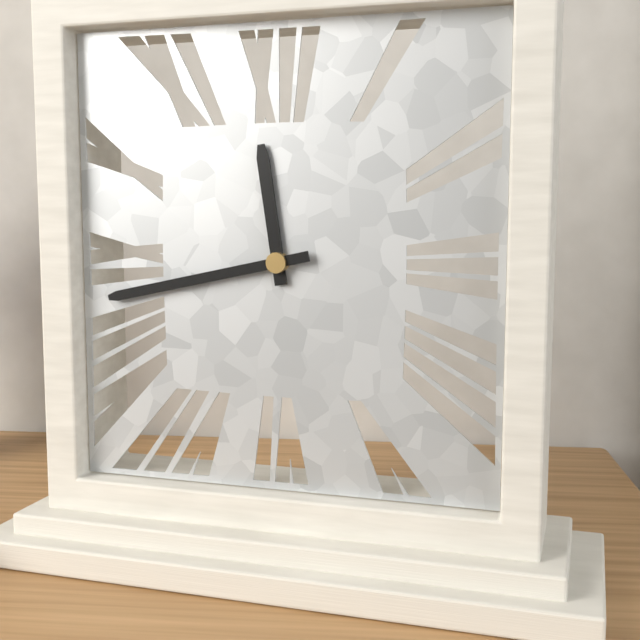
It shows h=11 m=43
